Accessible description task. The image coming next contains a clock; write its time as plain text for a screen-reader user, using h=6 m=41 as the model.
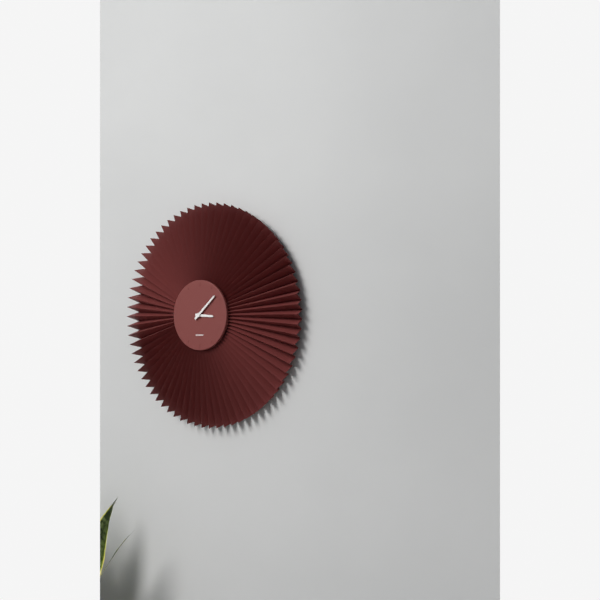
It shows h=3 m=8
